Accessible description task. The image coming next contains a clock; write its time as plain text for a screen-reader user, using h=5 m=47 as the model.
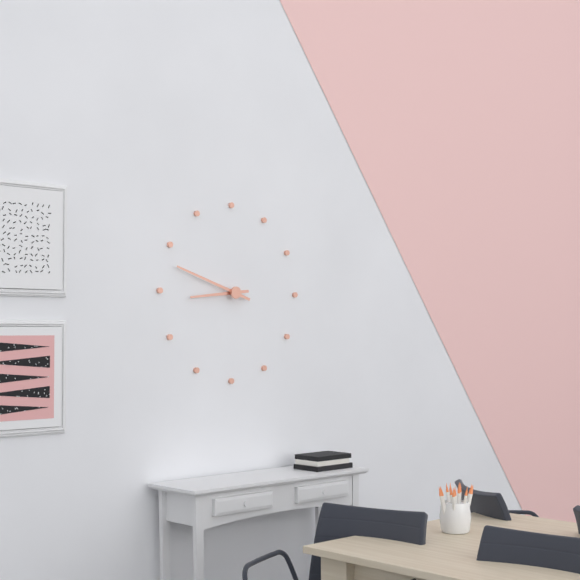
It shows h=8 m=48
